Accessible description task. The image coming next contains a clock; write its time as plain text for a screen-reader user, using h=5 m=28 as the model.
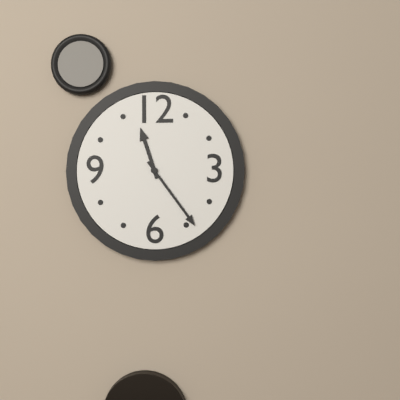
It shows h=11 m=24
